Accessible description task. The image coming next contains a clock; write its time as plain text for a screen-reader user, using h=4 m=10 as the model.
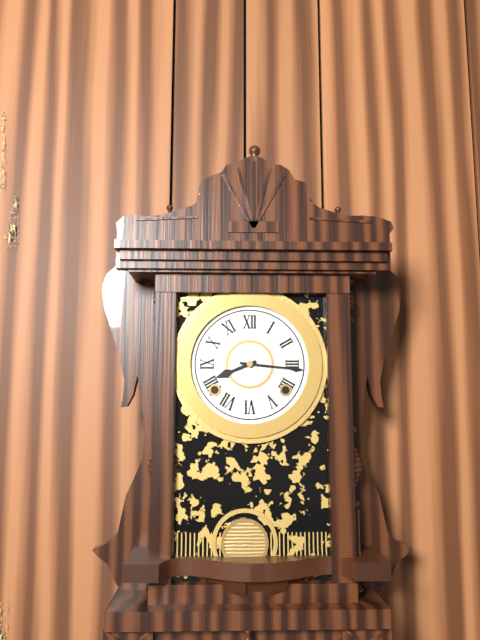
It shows h=8 m=16
